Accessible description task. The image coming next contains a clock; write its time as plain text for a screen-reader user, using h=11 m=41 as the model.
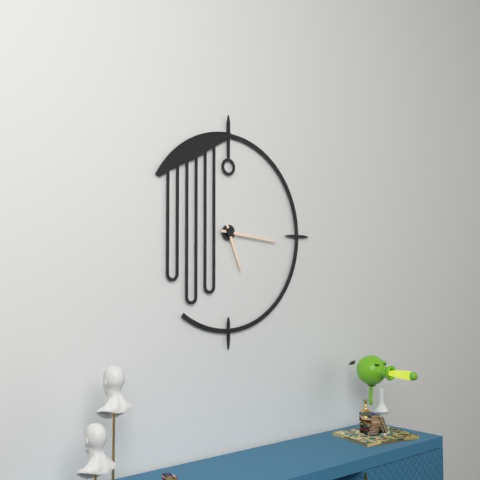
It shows h=5 m=16
